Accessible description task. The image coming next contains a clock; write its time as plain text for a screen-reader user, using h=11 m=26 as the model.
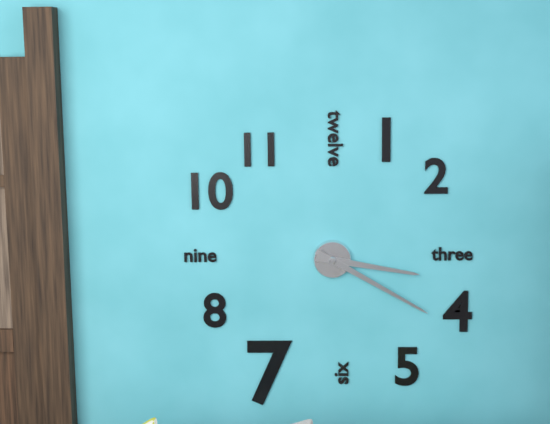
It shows h=3 m=20
